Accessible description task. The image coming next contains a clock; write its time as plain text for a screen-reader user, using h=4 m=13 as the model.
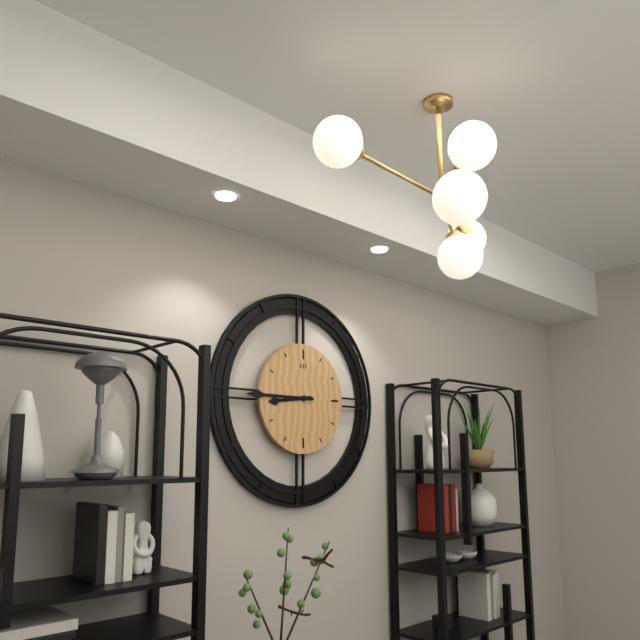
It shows h=8 m=45
